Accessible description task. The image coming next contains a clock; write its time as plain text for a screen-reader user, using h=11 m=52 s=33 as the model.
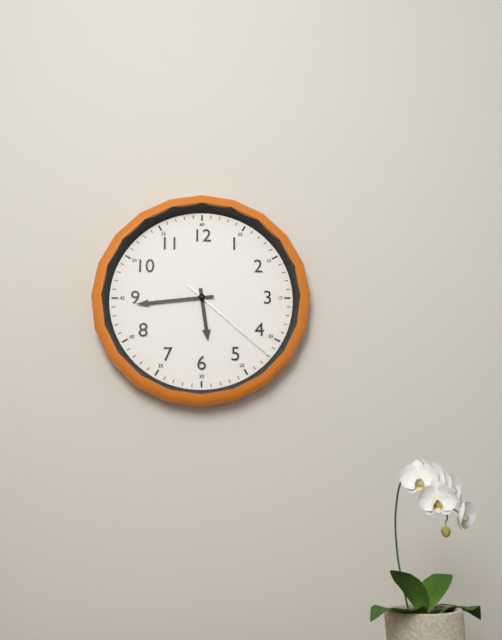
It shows h=5 m=44 s=22
